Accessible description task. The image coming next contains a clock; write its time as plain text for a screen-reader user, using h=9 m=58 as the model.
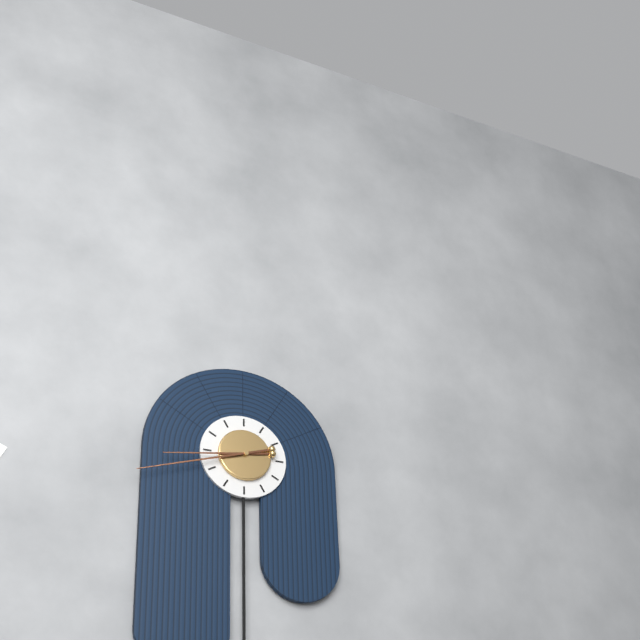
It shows h=8 m=42
